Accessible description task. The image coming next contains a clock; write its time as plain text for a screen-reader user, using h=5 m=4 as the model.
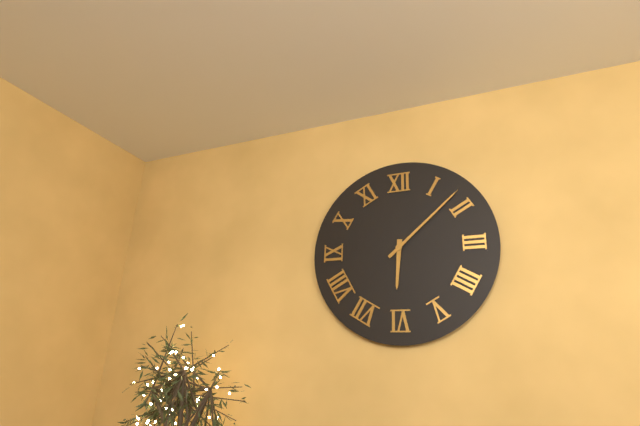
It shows h=6 m=8
